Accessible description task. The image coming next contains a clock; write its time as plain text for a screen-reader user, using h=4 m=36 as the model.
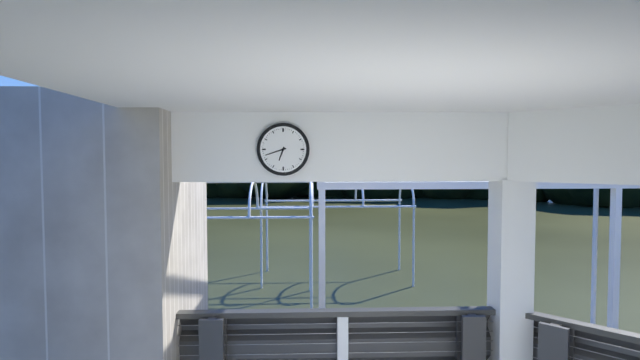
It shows h=6 m=42
